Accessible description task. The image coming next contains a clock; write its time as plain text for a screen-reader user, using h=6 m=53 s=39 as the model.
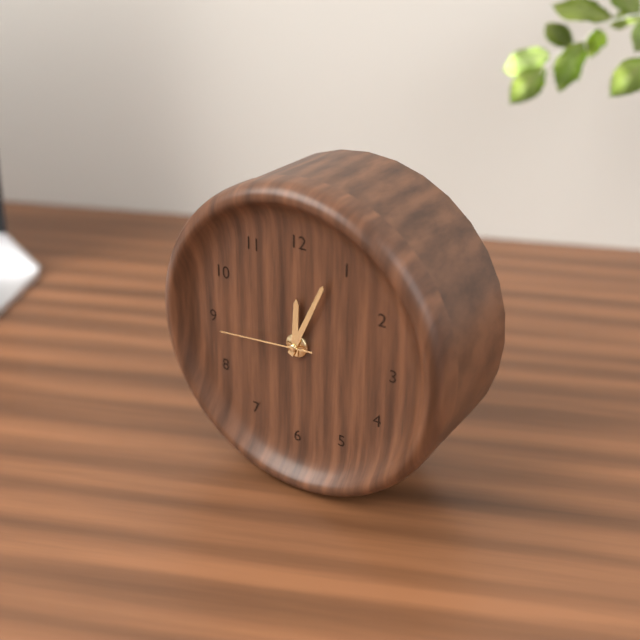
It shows h=12 m=4 s=44
